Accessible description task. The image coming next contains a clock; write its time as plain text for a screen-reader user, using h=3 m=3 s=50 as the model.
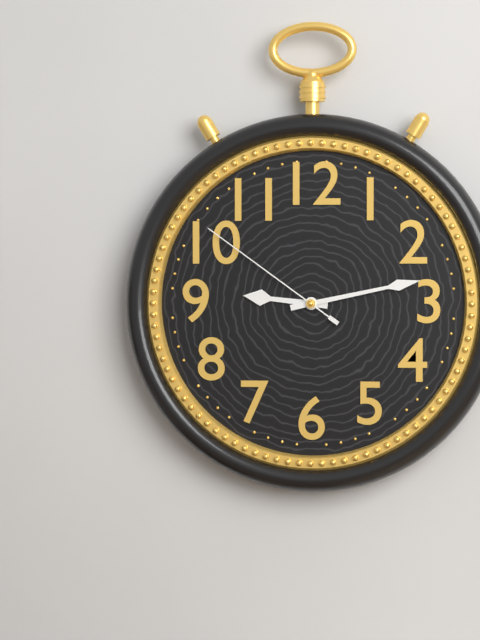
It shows h=9 m=13 s=51
